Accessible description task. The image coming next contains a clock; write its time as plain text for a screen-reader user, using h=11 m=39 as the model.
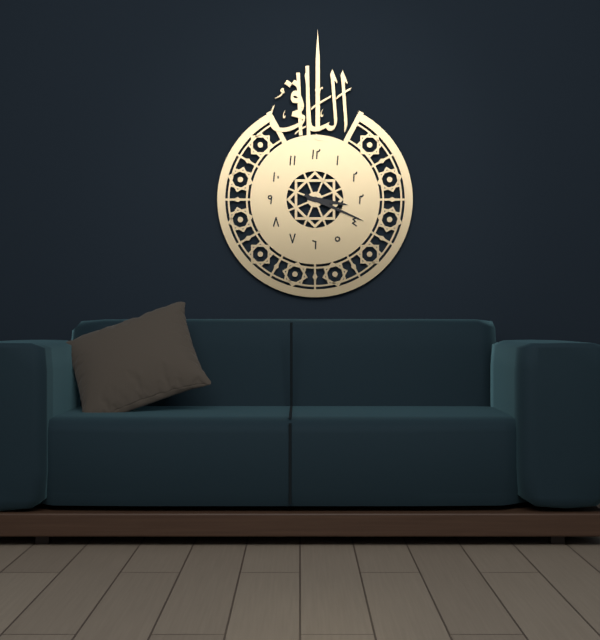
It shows h=3 m=19
